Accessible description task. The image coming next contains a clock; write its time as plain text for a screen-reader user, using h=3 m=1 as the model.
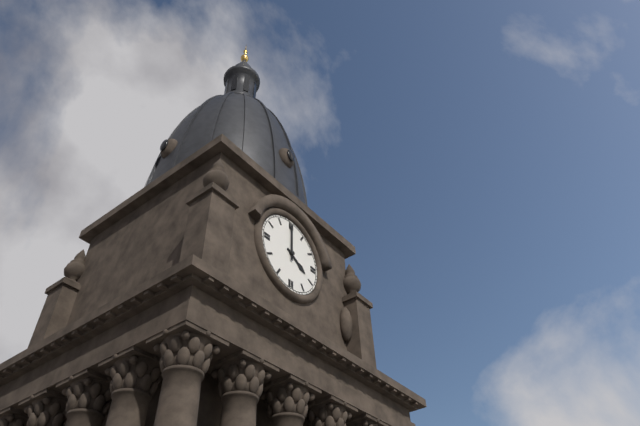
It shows h=4 m=0
